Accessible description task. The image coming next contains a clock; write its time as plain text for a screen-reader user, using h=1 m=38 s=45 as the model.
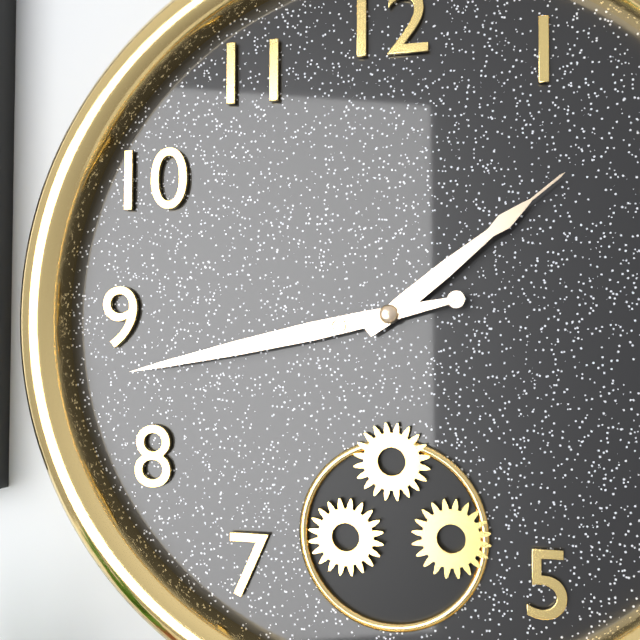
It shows h=1 m=43 s=43
